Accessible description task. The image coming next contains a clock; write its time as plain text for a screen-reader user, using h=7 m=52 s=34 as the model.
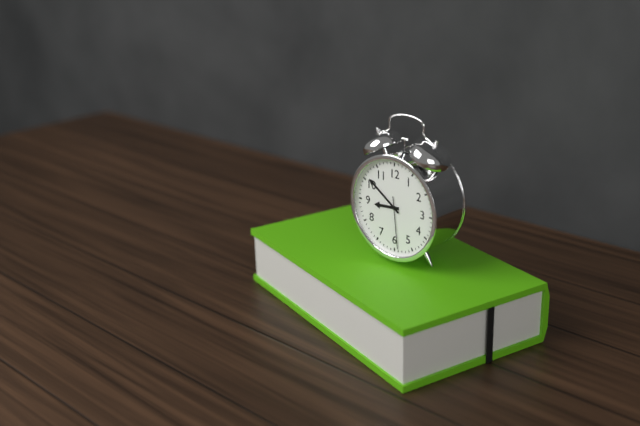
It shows h=8 m=51 s=29
